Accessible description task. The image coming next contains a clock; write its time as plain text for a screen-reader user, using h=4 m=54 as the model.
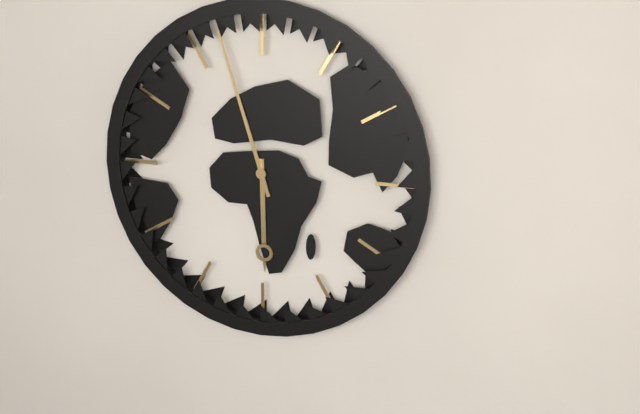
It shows h=5 m=57
